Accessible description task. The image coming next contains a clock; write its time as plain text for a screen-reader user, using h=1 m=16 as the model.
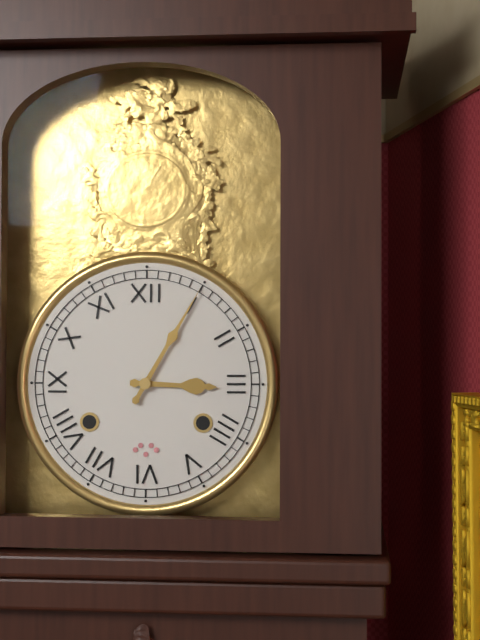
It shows h=3 m=5
